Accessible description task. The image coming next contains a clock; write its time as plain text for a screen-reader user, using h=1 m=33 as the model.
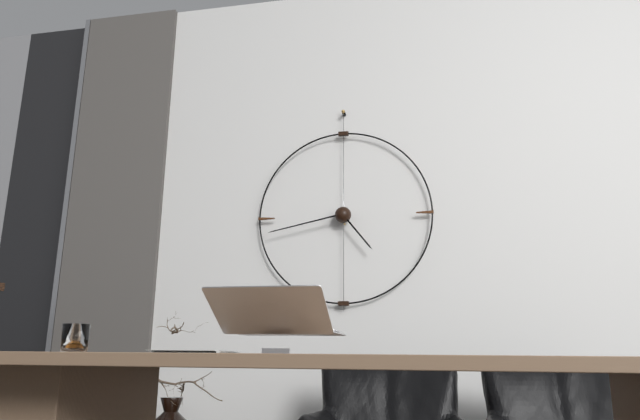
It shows h=4 m=43
